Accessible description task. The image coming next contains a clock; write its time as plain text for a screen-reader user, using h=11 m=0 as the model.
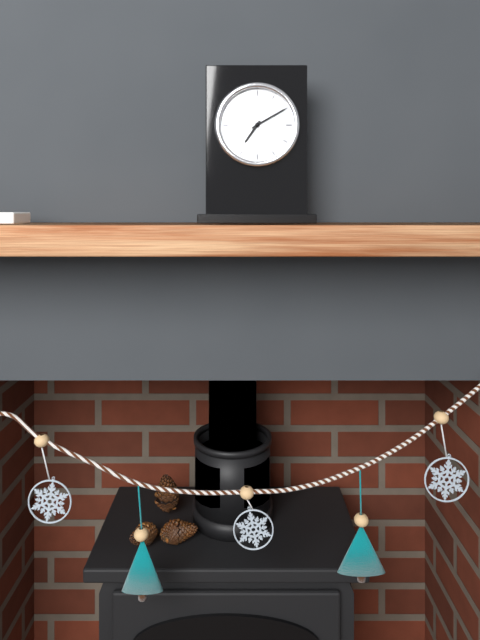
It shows h=7 m=10
